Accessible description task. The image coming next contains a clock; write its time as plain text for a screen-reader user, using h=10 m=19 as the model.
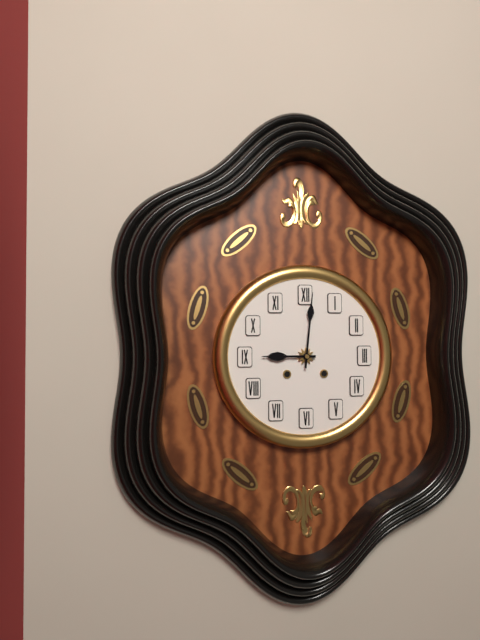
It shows h=9 m=1
